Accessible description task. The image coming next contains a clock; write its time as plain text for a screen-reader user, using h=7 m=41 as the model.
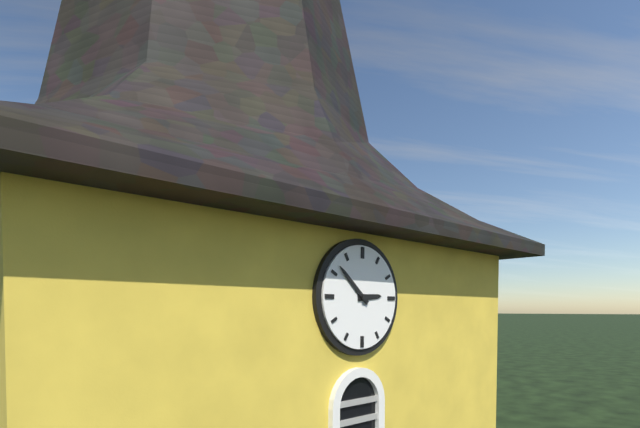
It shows h=2 m=52
